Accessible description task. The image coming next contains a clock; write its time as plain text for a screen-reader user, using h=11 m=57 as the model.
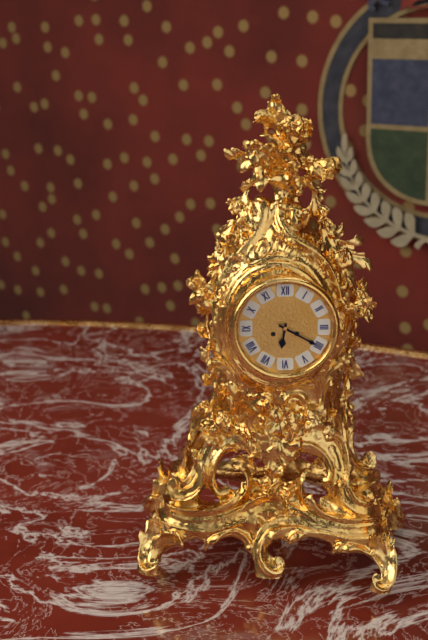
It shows h=6 m=20
